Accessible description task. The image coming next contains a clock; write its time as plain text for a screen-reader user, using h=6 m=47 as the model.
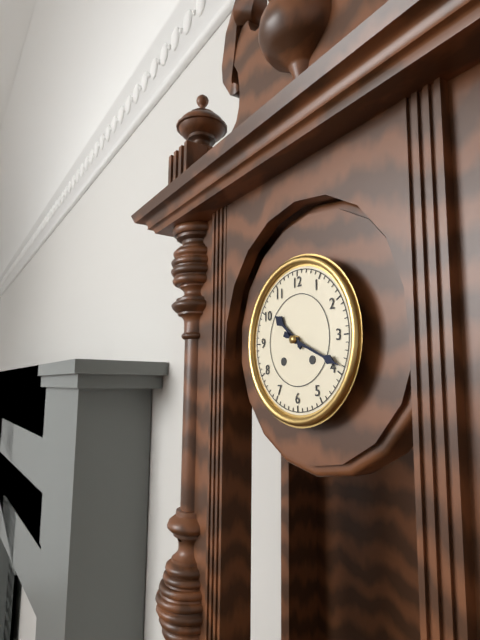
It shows h=10 m=19
